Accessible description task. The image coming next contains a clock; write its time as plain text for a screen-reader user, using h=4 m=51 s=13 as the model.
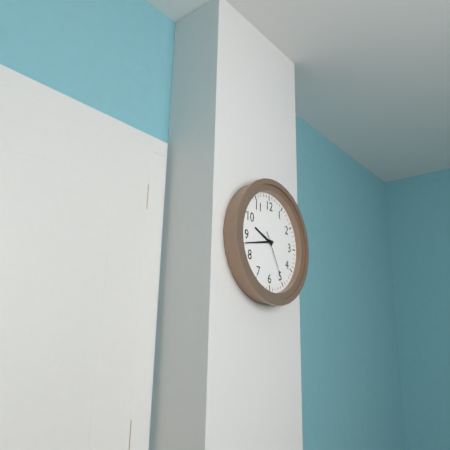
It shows h=9 m=43 s=25
